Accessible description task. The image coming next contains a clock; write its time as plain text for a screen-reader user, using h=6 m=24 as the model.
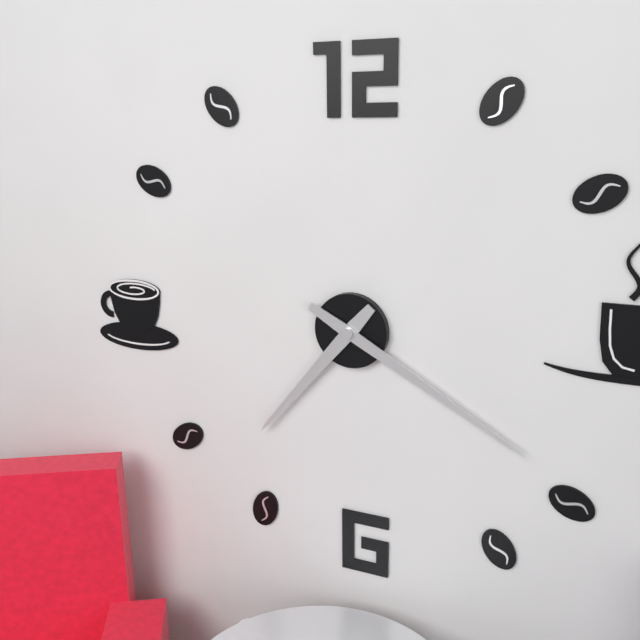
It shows h=7 m=20
